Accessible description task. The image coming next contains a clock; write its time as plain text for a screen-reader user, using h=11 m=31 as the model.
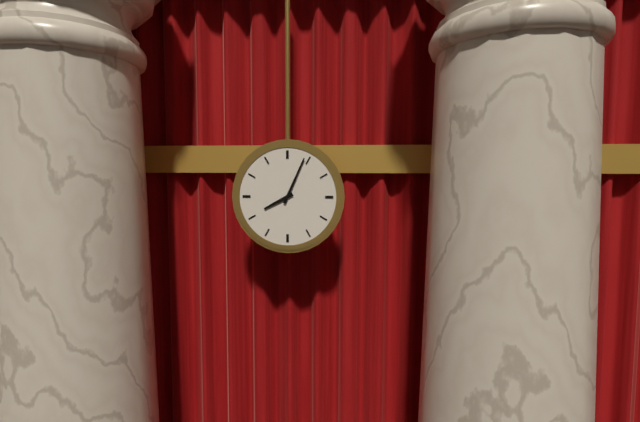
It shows h=8 m=4
